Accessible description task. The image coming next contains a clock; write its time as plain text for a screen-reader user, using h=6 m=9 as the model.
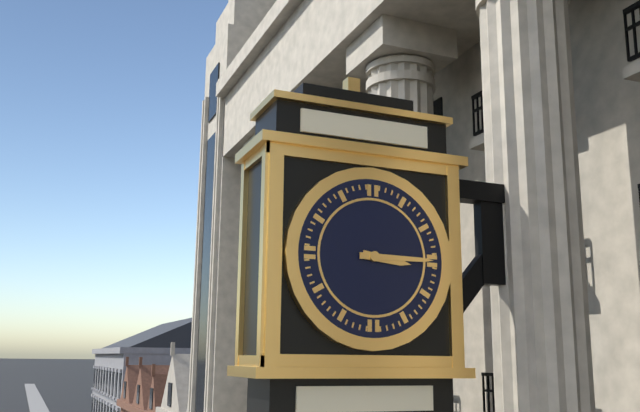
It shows h=3 m=15
